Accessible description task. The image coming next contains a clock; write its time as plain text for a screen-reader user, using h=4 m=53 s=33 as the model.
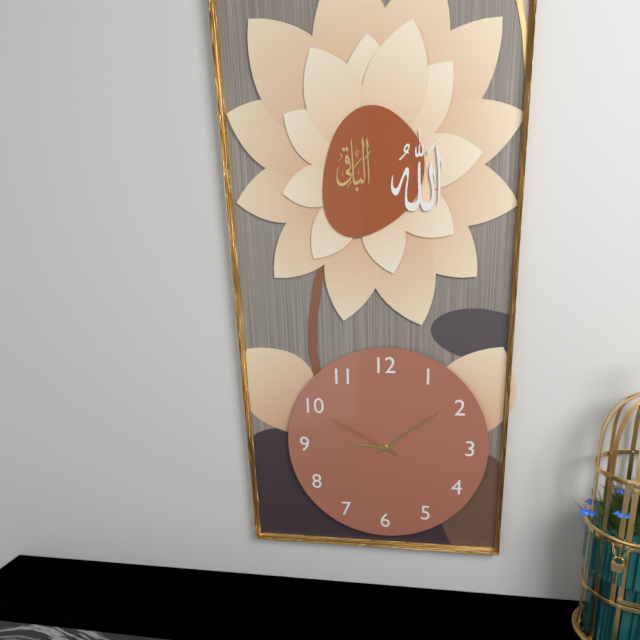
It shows h=9 m=9 s=50
